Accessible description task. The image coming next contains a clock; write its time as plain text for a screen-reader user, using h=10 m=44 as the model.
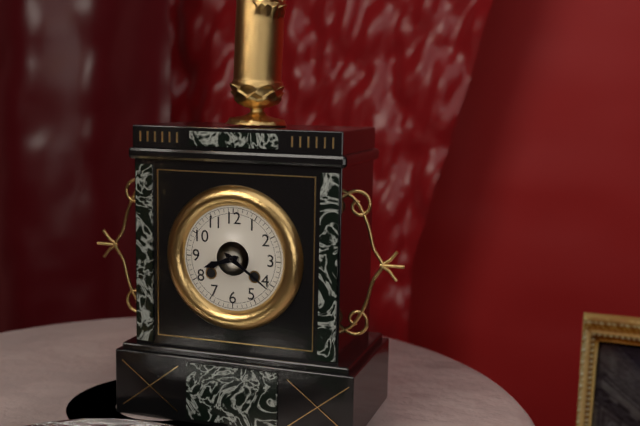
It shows h=8 m=21
